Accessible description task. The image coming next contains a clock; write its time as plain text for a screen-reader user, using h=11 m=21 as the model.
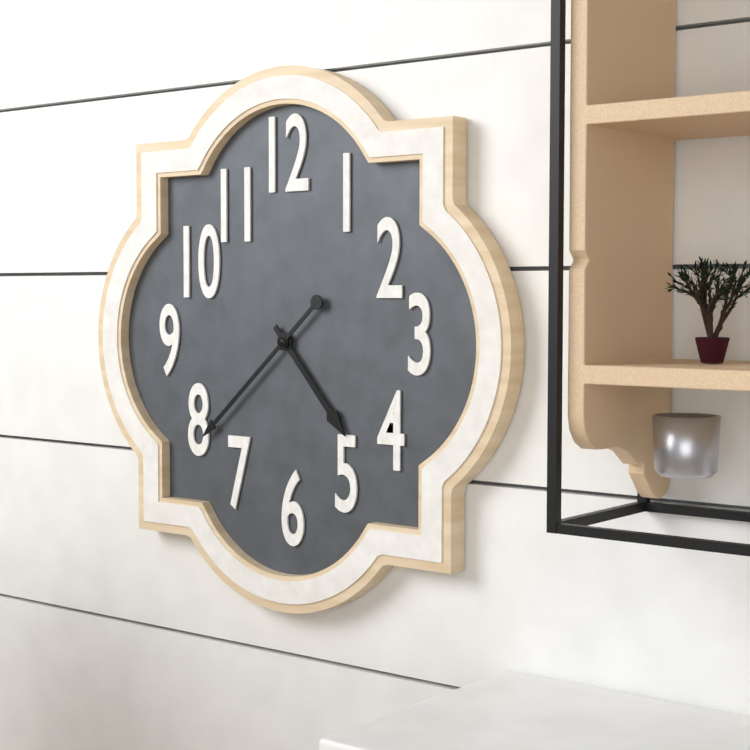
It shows h=4 m=38
